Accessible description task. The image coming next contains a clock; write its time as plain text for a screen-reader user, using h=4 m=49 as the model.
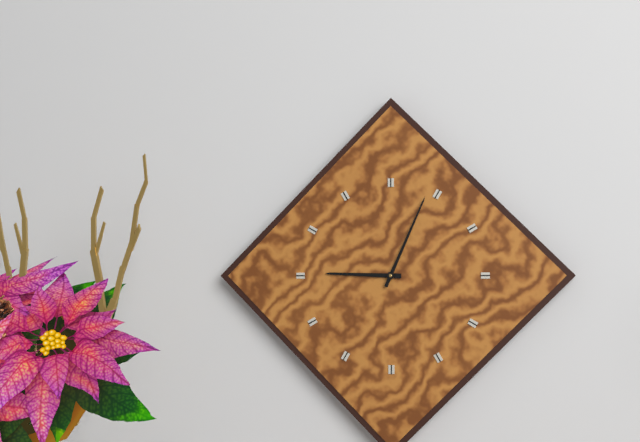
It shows h=9 m=4
